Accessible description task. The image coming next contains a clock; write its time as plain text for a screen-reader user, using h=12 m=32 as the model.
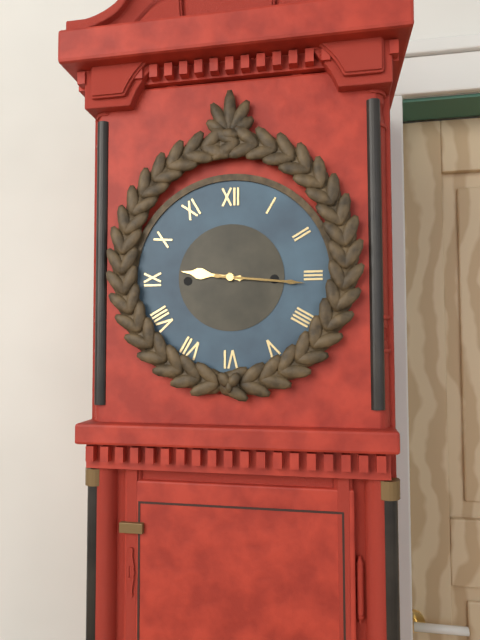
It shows h=9 m=16
